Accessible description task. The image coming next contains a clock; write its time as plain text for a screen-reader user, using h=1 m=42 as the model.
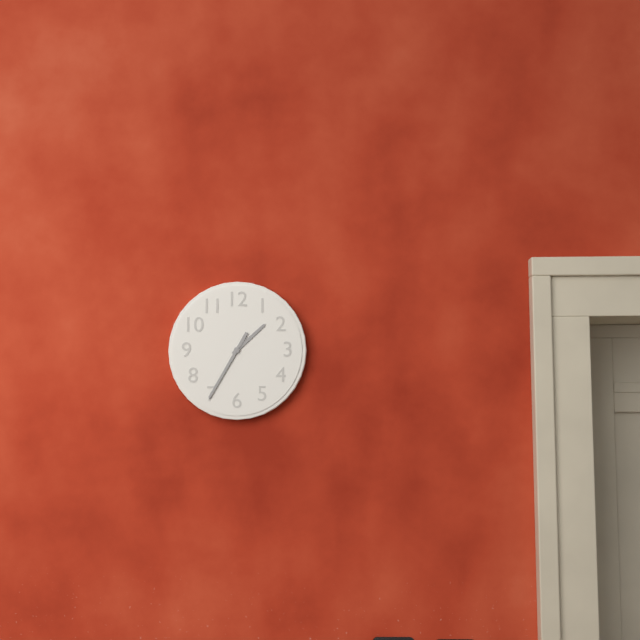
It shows h=1 m=35
